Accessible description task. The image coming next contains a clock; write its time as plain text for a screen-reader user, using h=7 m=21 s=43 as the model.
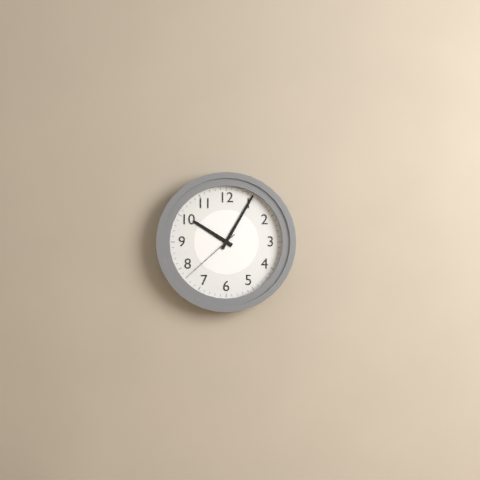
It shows h=10 m=5 s=38
